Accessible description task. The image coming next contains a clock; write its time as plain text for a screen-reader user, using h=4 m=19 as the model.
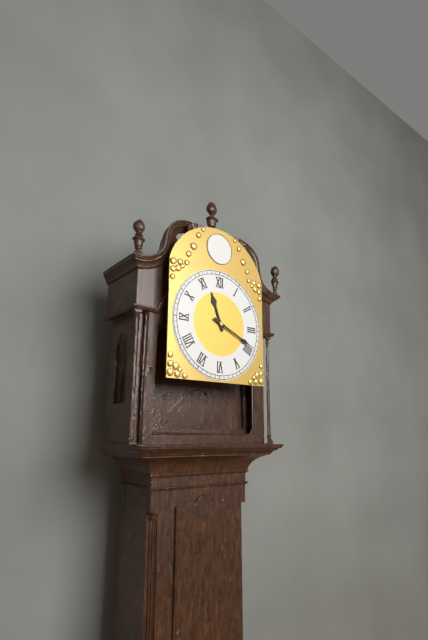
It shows h=11 m=19
